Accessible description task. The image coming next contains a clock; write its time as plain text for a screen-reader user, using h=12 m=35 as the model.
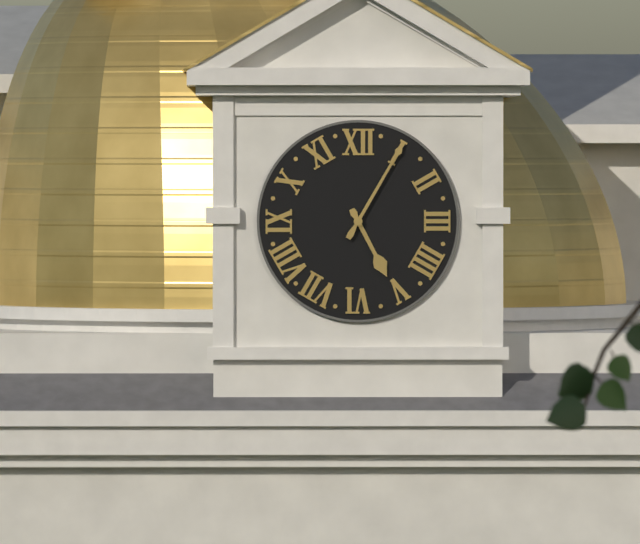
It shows h=5 m=5
